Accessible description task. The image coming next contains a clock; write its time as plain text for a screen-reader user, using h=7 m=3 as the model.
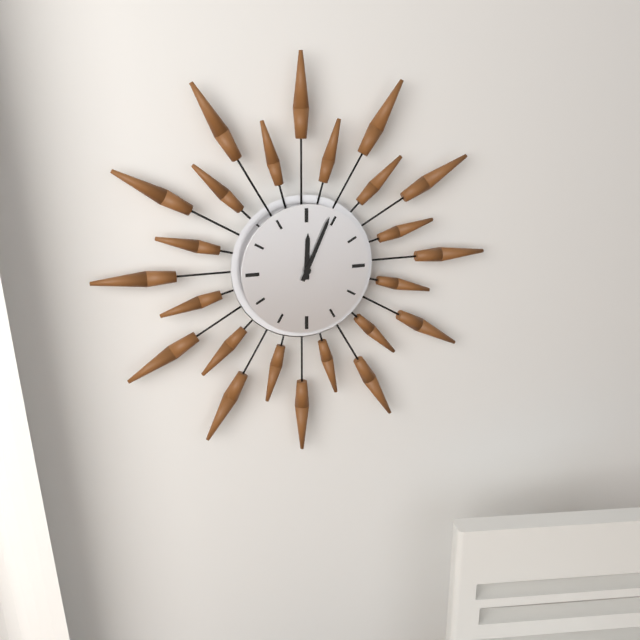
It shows h=12 m=4
